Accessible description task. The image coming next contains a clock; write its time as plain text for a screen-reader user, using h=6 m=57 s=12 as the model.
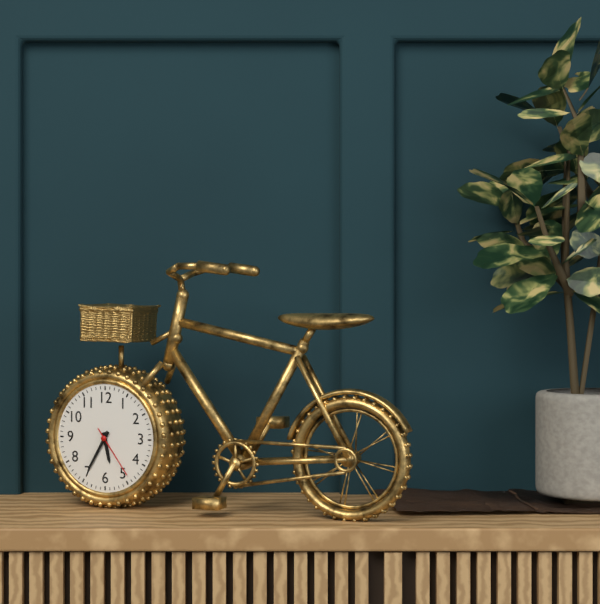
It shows h=5 m=35 s=24
